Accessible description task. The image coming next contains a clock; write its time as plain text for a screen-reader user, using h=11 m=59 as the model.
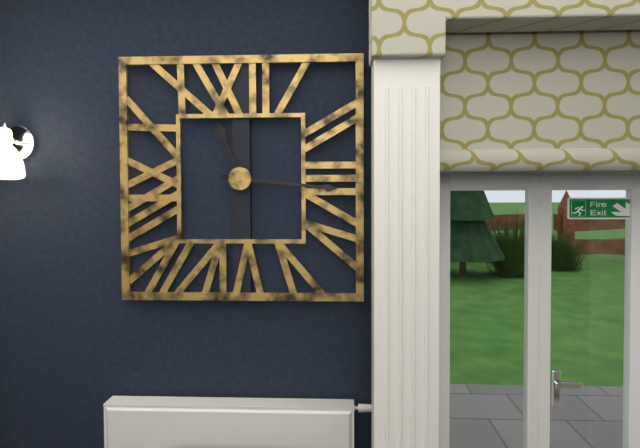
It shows h=11 m=16
